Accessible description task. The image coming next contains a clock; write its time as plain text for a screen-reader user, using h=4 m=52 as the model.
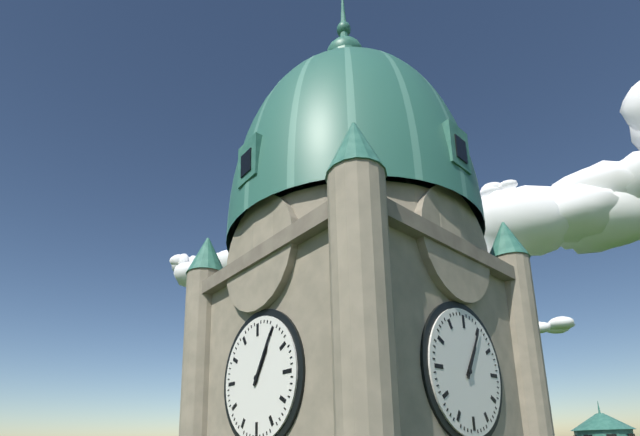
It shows h=1 m=5
